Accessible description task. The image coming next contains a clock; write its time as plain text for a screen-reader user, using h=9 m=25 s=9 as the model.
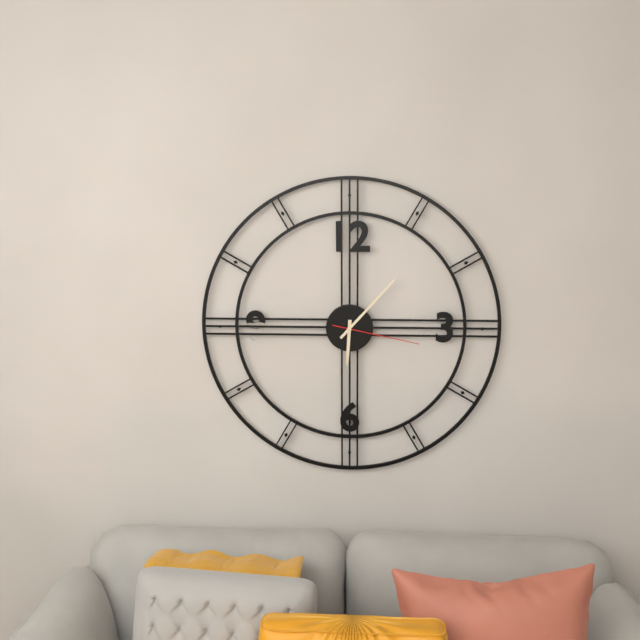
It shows h=6 m=7 s=17
